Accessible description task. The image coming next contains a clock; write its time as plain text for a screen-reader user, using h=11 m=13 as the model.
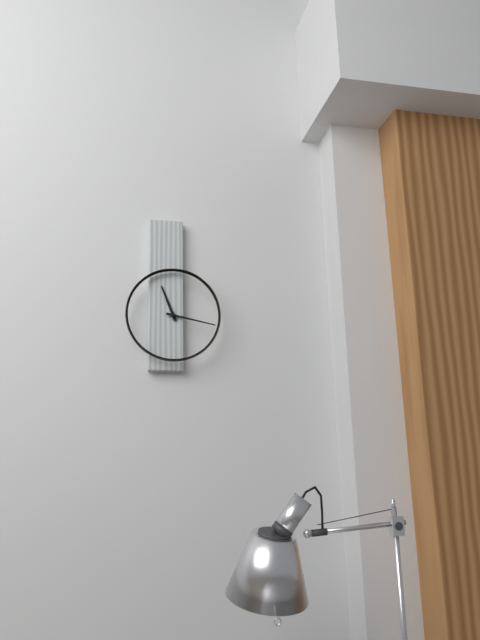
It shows h=11 m=17
